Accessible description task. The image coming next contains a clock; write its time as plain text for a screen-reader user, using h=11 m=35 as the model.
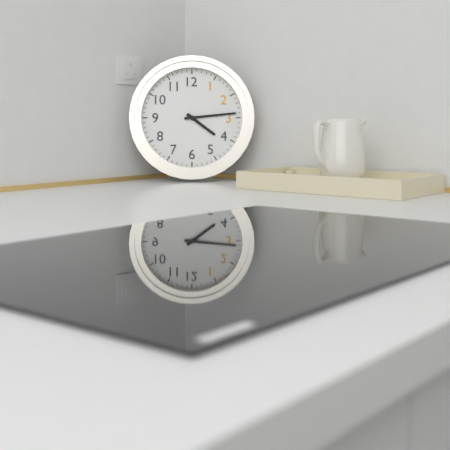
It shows h=4 m=14
